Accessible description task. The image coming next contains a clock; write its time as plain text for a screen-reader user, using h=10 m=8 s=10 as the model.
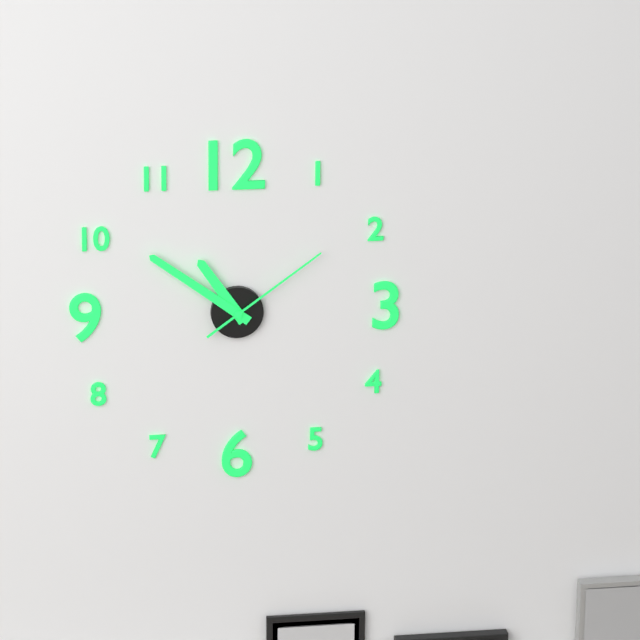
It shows h=10 m=51 s=9
